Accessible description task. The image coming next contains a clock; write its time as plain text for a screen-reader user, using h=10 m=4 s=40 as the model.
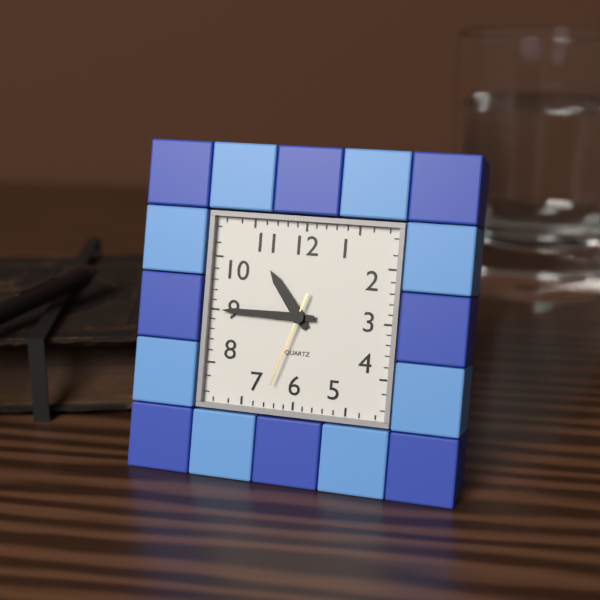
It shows h=10 m=45 s=33
